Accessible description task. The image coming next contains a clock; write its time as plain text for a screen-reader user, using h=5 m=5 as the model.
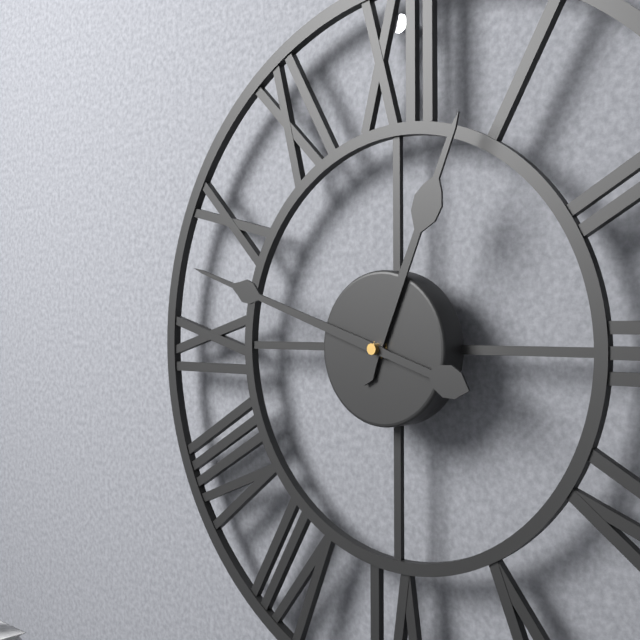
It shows h=12 m=48
